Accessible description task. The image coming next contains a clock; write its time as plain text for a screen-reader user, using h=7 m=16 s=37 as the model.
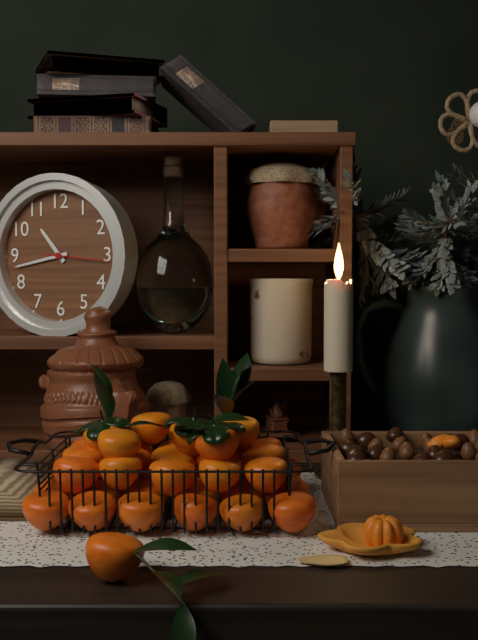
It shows h=10 m=43 s=16
